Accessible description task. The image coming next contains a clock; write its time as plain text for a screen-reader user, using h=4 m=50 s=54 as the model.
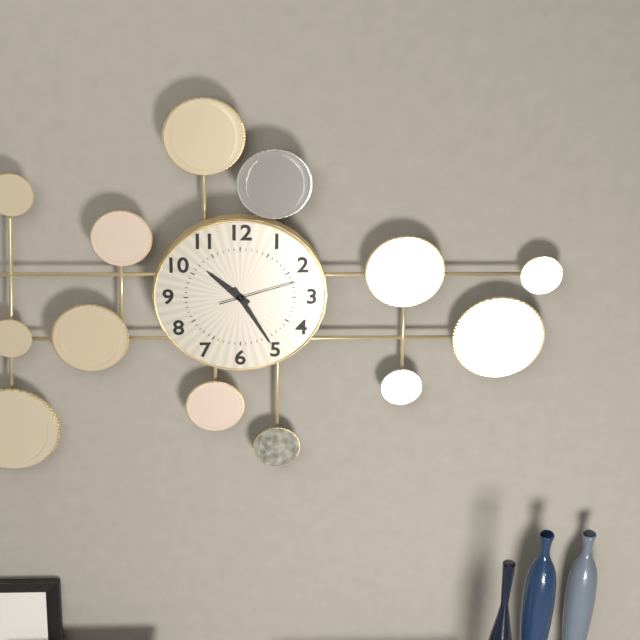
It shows h=10 m=25 s=12
